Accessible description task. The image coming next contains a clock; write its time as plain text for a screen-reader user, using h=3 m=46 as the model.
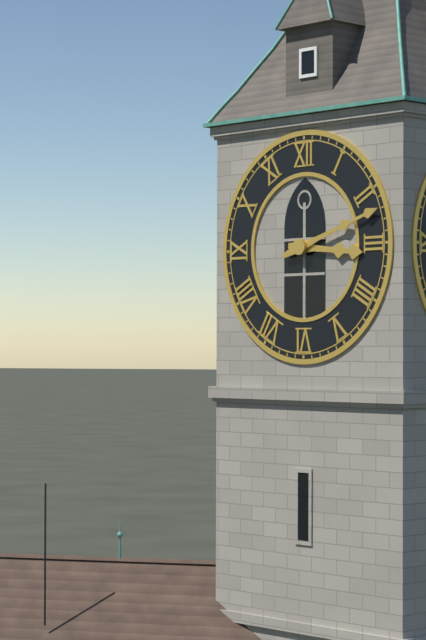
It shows h=3 m=12
